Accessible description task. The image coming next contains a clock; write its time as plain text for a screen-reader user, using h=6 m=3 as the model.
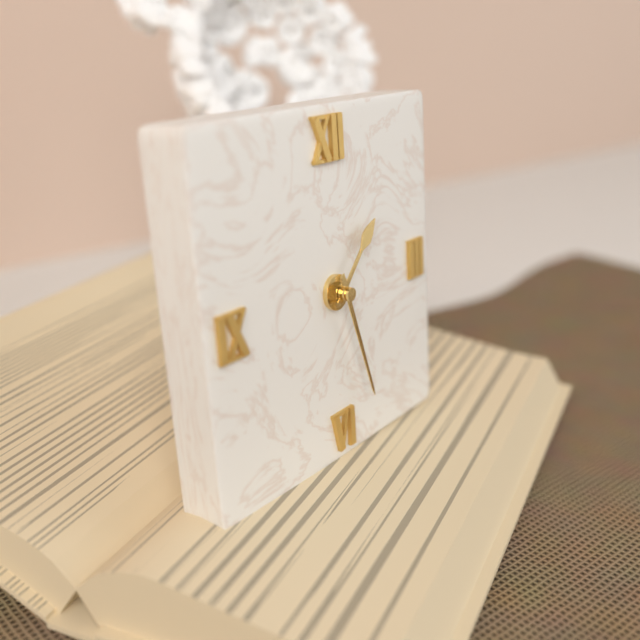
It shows h=1 m=27
